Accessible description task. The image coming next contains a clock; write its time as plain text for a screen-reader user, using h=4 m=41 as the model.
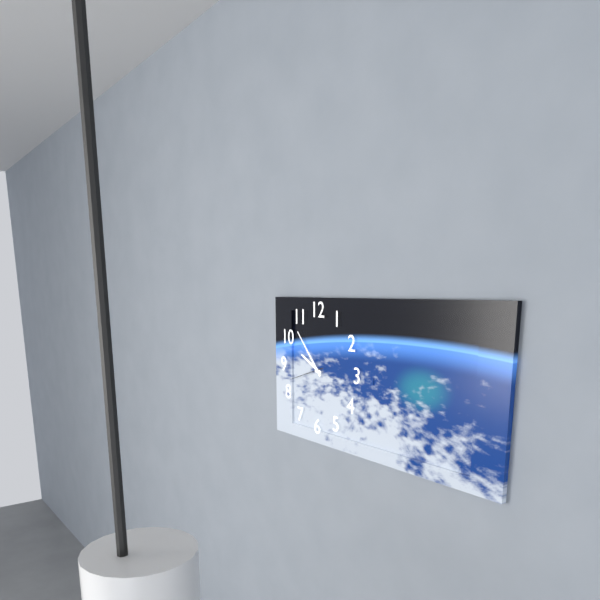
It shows h=9 m=53
